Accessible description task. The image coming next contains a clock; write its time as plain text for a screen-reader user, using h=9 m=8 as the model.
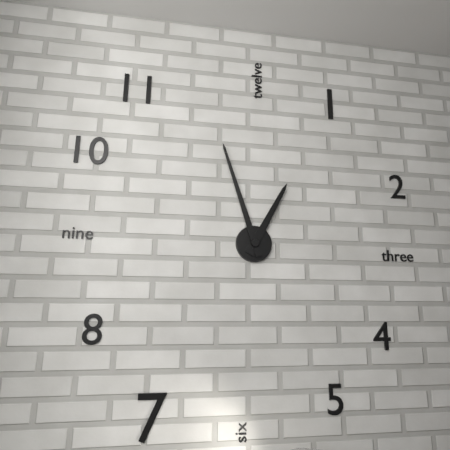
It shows h=12 m=57
